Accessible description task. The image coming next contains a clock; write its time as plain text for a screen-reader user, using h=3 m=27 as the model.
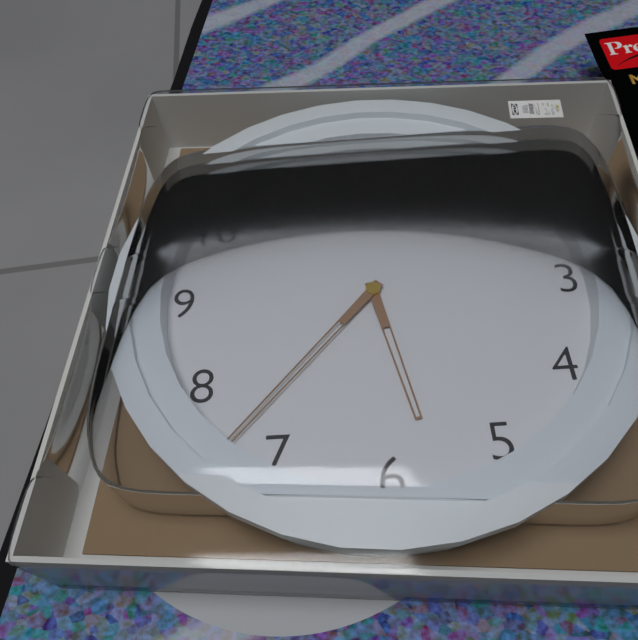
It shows h=5 m=37
